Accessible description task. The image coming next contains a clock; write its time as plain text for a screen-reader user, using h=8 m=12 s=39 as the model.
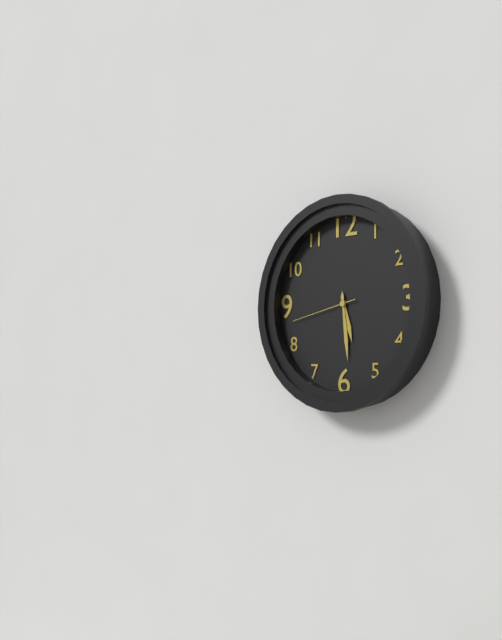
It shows h=5 m=29 s=43
